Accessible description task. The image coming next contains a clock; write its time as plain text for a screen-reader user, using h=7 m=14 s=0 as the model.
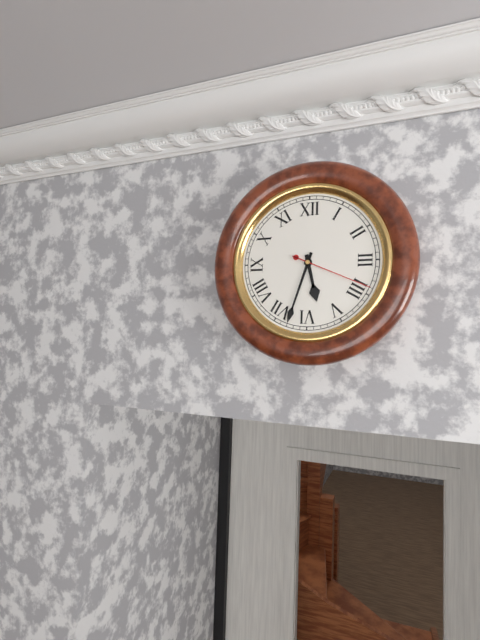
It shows h=5 m=33 s=19
